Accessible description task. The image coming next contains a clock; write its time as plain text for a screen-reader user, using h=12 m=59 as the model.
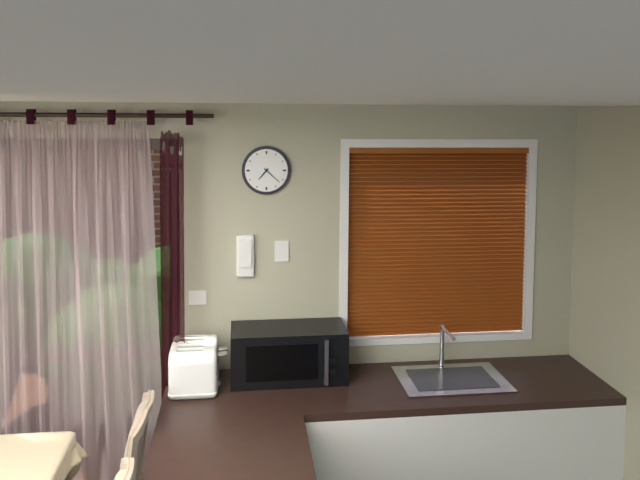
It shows h=7 m=22
